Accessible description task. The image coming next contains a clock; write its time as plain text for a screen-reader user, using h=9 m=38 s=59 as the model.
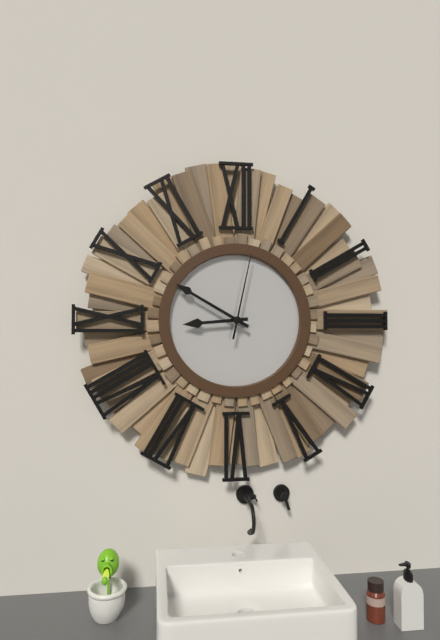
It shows h=8 m=50 s=2
